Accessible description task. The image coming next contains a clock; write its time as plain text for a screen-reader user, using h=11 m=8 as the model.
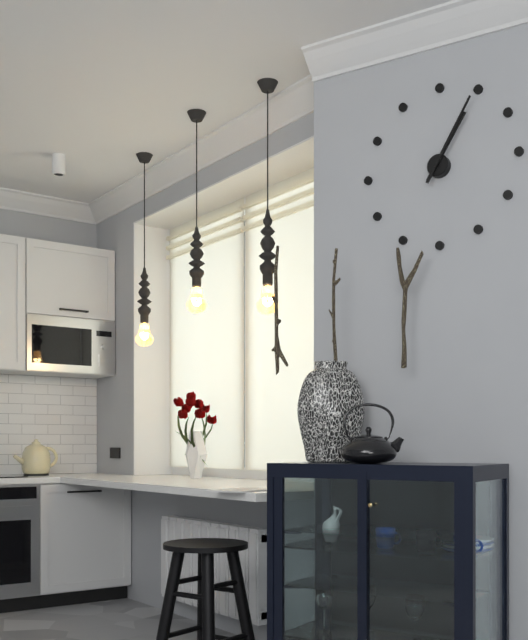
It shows h=1 m=5
